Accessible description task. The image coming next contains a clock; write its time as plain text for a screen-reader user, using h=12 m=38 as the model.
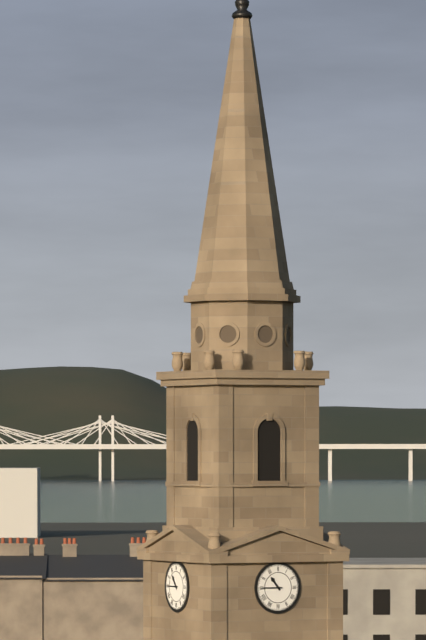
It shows h=10 m=45
